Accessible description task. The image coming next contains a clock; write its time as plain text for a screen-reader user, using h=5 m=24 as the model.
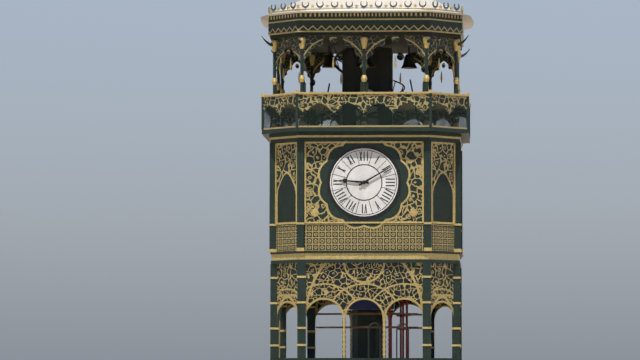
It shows h=9 m=10
